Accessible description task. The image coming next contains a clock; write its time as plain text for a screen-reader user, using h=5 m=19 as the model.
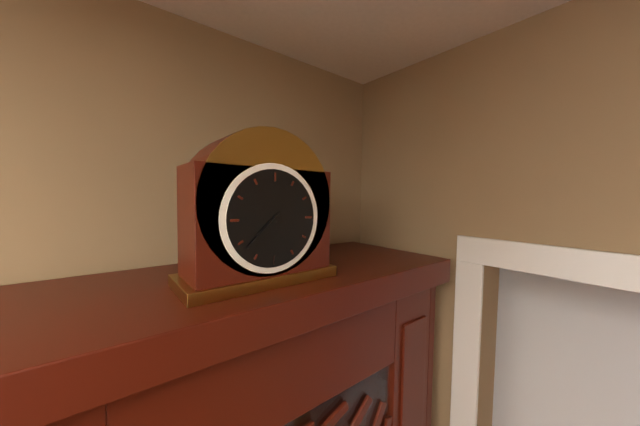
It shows h=7 m=38
